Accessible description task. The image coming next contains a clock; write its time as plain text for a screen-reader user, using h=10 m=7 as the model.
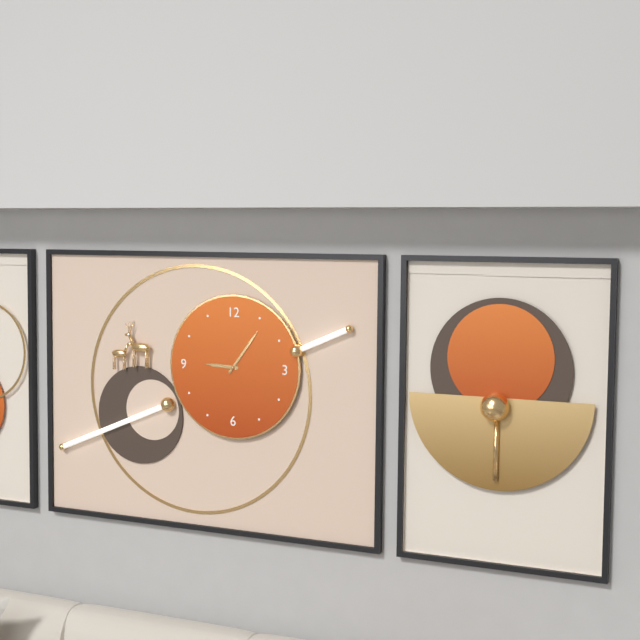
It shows h=9 m=6
